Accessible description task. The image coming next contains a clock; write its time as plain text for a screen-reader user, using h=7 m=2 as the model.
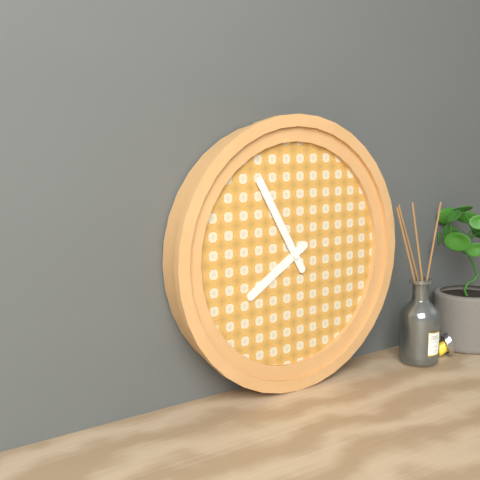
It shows h=7 m=55
